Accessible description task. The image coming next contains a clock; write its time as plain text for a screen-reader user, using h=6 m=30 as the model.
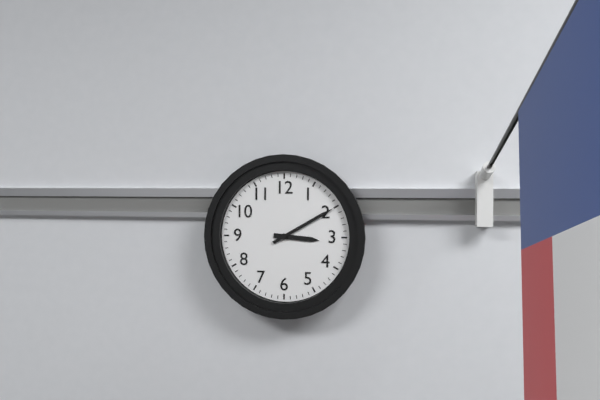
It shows h=3 m=10
